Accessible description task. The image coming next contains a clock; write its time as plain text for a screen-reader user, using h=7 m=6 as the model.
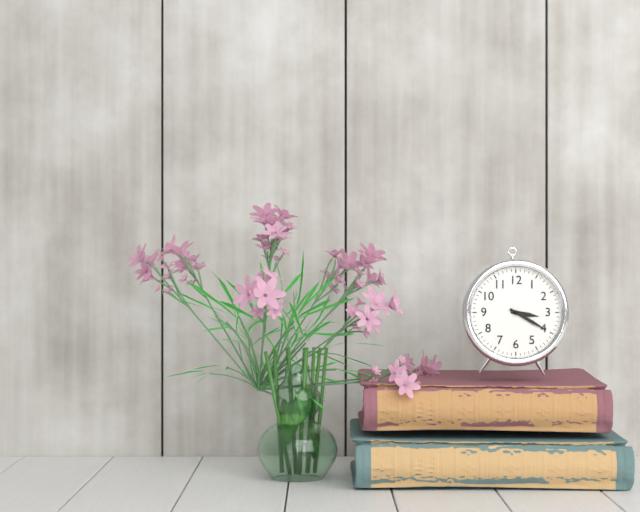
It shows h=3 m=20
